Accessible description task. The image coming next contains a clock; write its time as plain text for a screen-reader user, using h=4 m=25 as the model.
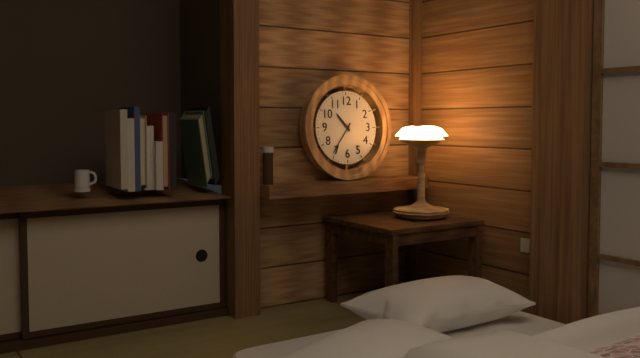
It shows h=10 m=36
